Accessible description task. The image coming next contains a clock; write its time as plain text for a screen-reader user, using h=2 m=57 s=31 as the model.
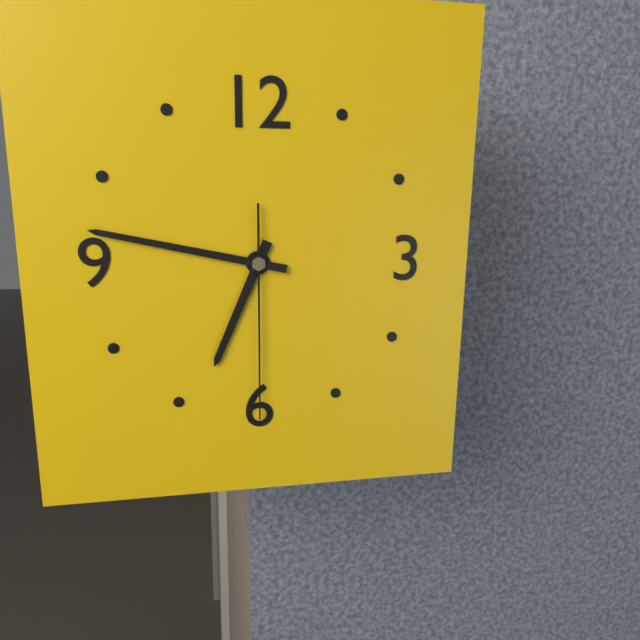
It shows h=6 m=47 s=30
